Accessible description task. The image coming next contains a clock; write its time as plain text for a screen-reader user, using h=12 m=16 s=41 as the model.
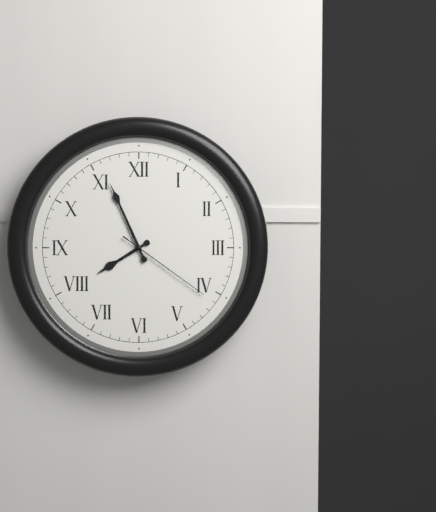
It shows h=7 m=56 s=21
